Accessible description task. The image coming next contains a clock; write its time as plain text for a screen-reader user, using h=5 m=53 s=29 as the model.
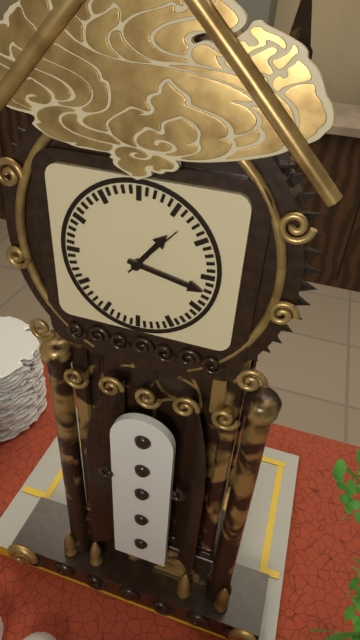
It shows h=1 m=17 s=7
